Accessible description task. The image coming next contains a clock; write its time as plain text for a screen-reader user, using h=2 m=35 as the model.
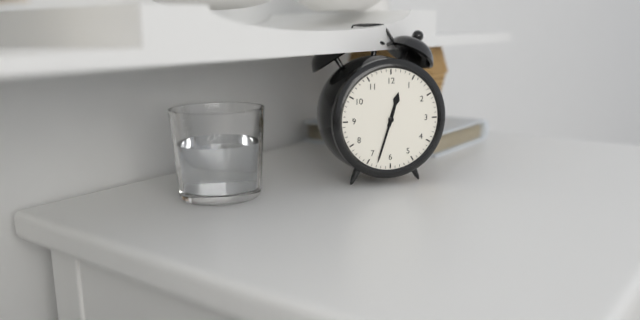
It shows h=12 m=33
